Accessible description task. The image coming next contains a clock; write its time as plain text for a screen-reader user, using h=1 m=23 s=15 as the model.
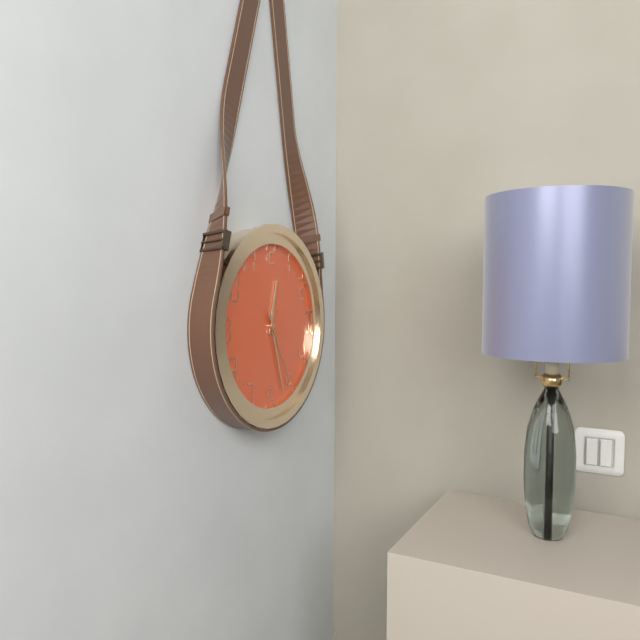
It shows h=12 m=27 s=25
